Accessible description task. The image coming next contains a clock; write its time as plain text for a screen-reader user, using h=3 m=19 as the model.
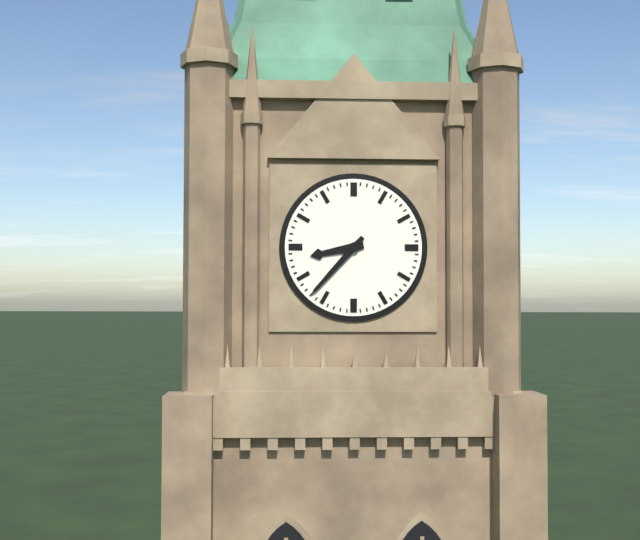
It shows h=8 m=37
